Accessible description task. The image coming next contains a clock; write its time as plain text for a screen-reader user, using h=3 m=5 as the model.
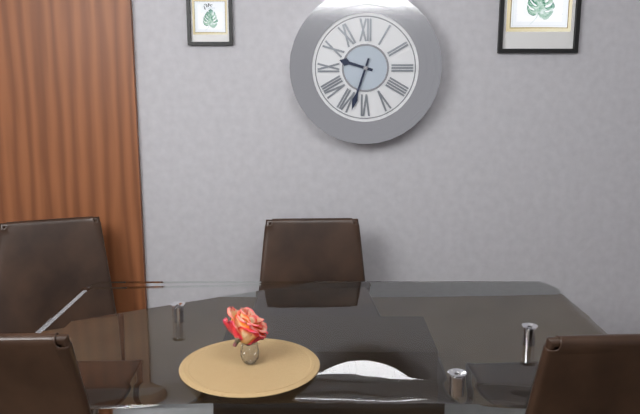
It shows h=9 m=33
